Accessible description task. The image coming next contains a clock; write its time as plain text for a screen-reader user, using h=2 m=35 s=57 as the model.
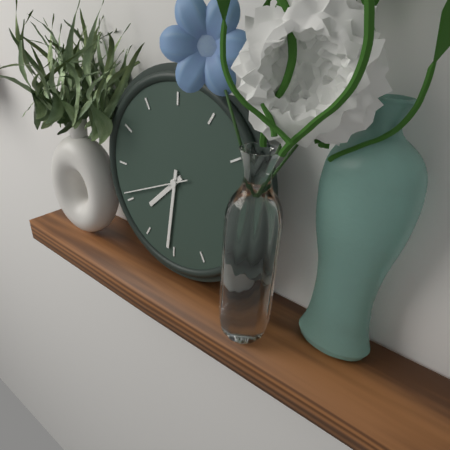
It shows h=7 m=31 s=41
